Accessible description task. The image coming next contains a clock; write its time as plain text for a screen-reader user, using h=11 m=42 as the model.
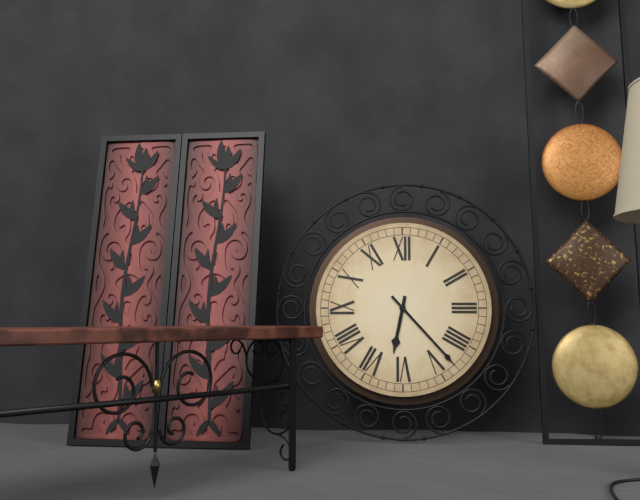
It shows h=6 m=23
